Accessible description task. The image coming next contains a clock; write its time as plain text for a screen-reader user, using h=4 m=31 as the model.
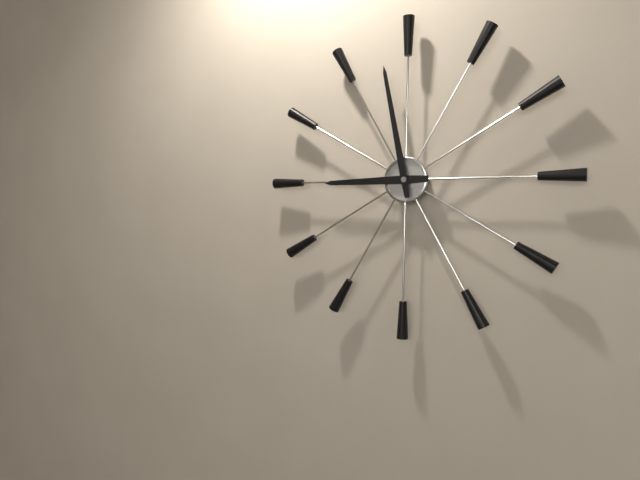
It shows h=8 m=58
